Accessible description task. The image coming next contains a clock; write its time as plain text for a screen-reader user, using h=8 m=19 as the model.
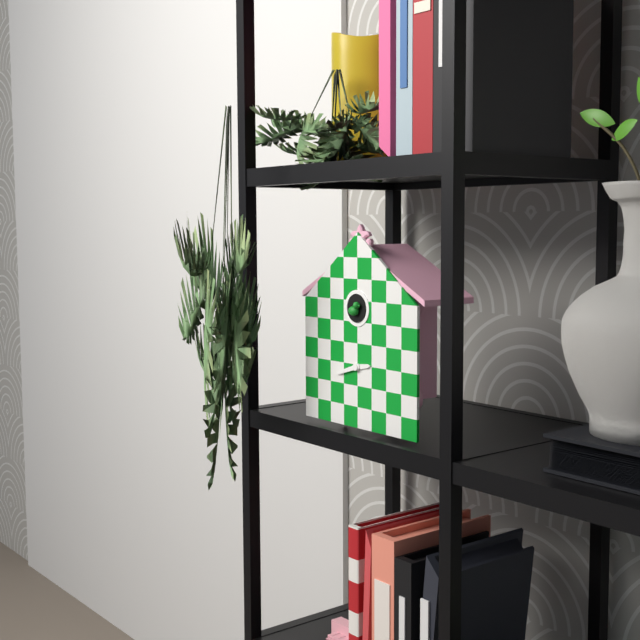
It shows h=2 m=42
